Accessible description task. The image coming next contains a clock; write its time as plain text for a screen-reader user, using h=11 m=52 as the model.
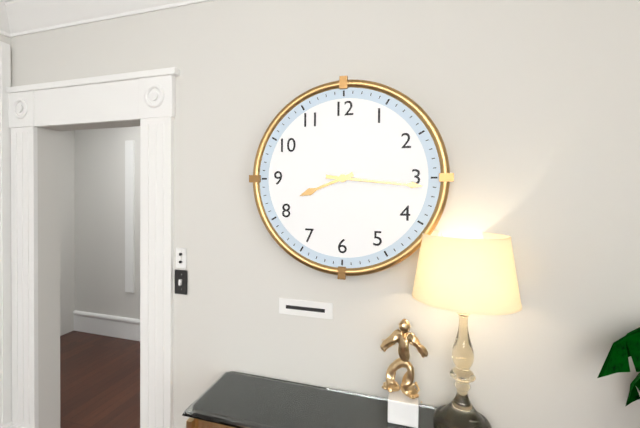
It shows h=8 m=16
